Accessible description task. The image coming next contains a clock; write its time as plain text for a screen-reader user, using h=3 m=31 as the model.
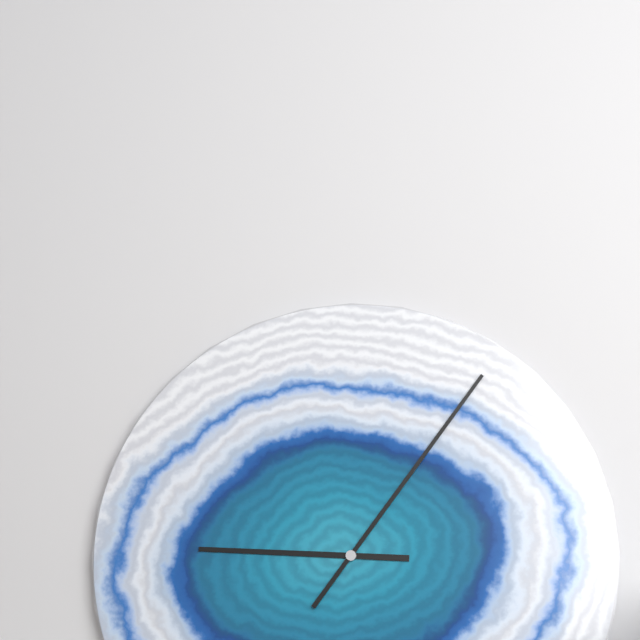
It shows h=9 m=6
